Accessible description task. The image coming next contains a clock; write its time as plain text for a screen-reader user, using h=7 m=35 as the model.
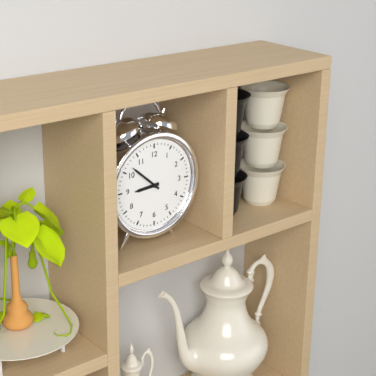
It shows h=8 m=52
